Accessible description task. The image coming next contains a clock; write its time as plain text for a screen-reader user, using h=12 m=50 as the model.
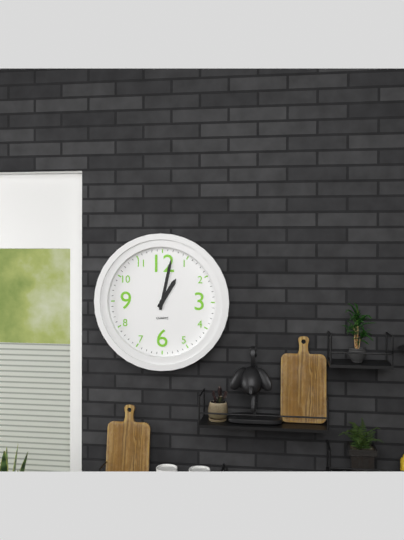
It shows h=1 m=2
